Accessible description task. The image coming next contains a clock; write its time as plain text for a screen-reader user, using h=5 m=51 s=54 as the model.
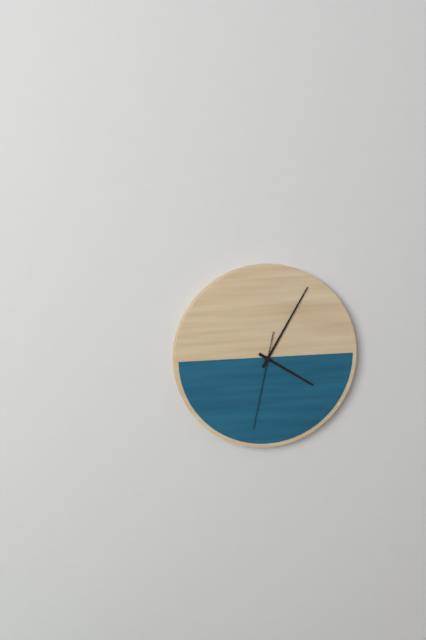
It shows h=4 m=5 s=32
